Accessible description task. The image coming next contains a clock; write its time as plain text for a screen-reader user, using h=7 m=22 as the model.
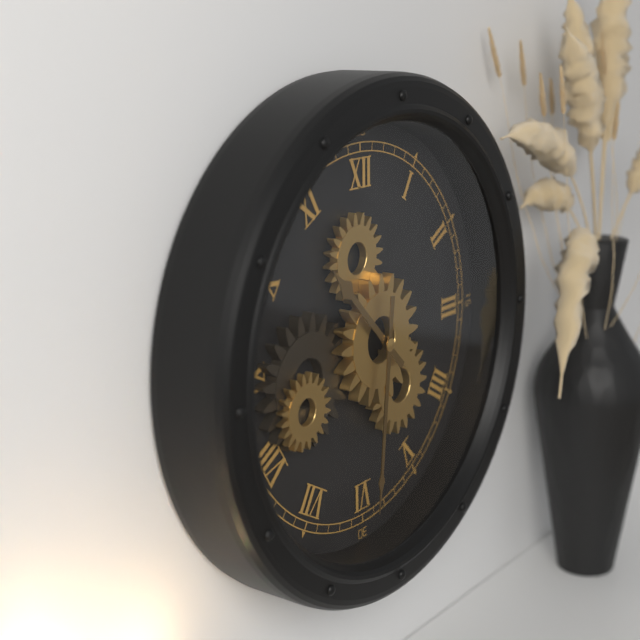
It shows h=10 m=31
